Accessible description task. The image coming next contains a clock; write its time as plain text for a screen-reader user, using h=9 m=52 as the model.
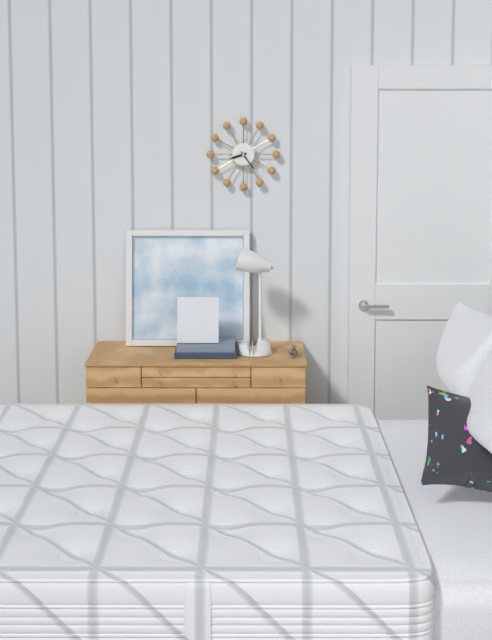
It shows h=8 m=24
